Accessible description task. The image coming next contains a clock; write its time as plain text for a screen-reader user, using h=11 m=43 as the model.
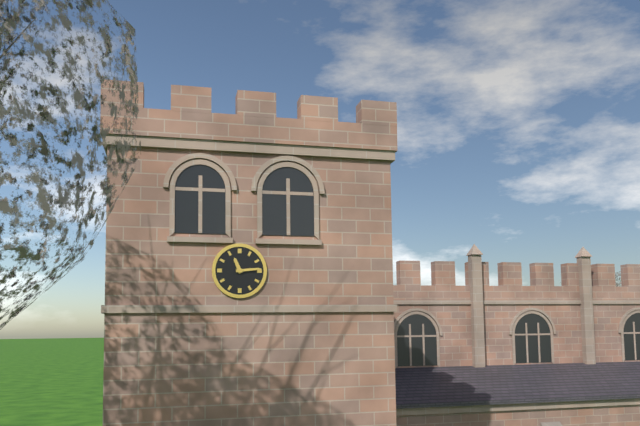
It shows h=11 m=14
